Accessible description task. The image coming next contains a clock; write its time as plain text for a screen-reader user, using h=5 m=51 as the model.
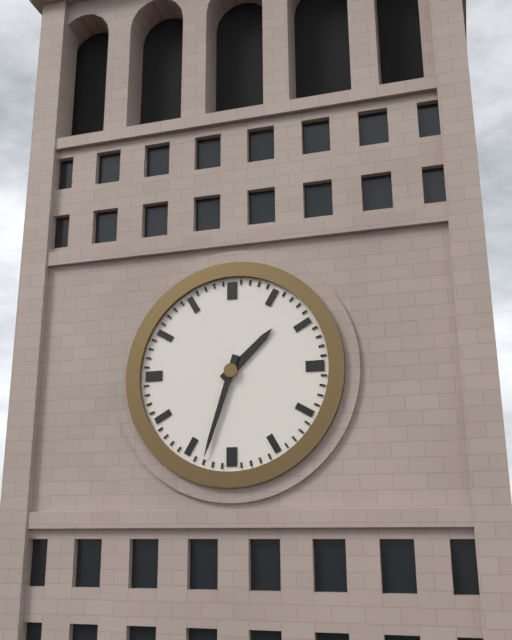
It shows h=1 m=33
